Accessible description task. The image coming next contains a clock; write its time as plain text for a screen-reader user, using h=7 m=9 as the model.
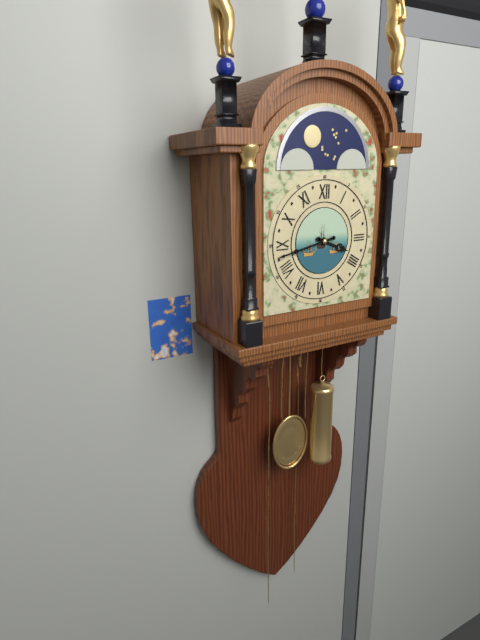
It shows h=3 m=43
